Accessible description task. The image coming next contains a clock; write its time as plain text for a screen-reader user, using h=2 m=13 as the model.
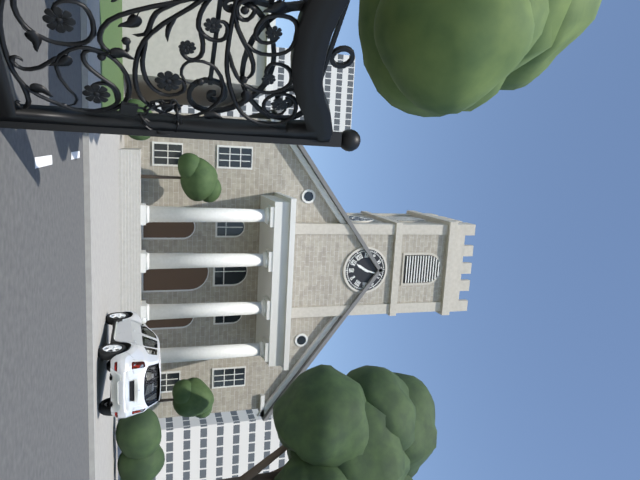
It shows h=7 m=3
